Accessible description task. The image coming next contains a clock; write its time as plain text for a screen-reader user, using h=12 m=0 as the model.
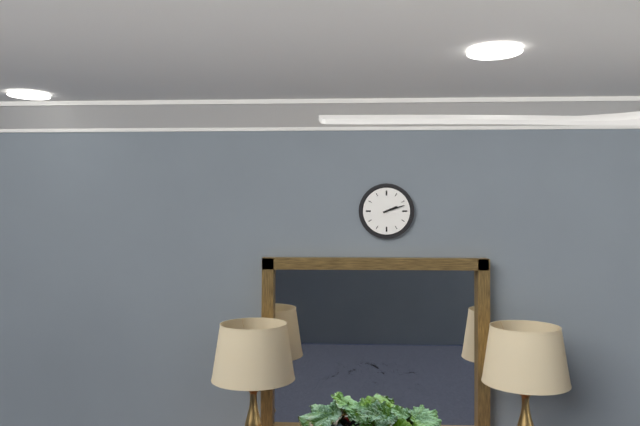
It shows h=2 m=12
